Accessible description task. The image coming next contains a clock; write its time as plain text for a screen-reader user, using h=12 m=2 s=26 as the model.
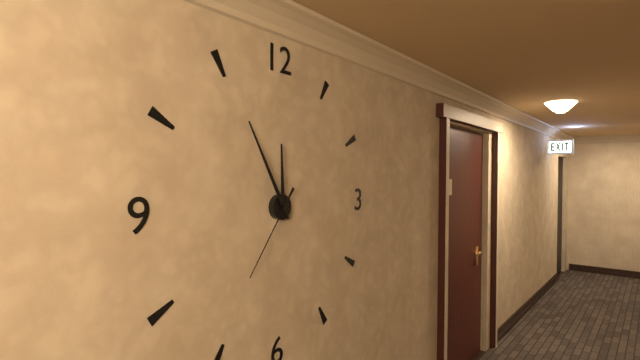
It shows h=11 m=55 s=36
